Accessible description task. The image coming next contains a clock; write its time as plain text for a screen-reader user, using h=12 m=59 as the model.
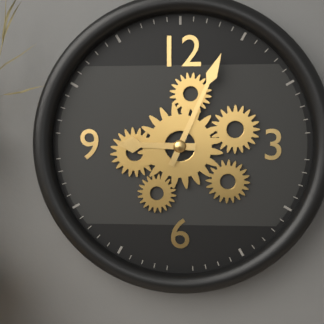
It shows h=9 m=4
